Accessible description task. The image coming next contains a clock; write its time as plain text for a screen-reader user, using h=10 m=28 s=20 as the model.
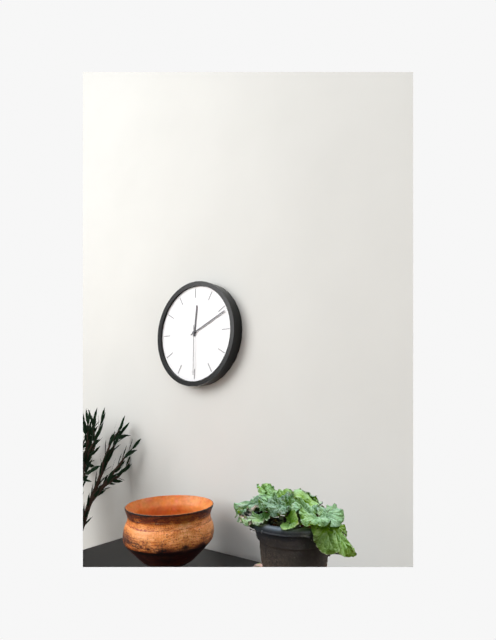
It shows h=12 m=11 s=30
